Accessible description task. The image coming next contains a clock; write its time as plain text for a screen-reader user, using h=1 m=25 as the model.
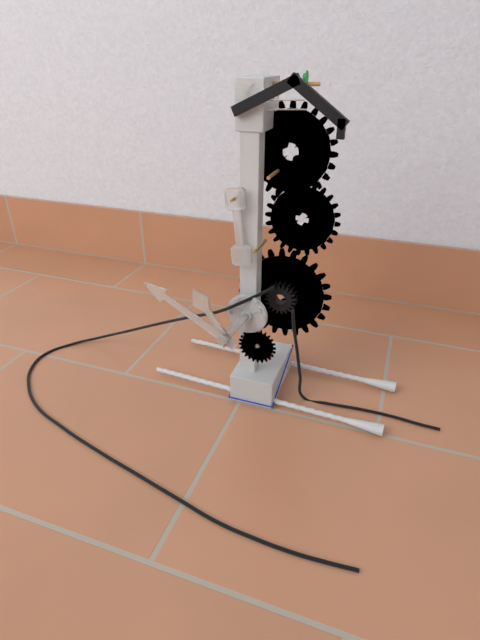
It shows h=10 m=50
